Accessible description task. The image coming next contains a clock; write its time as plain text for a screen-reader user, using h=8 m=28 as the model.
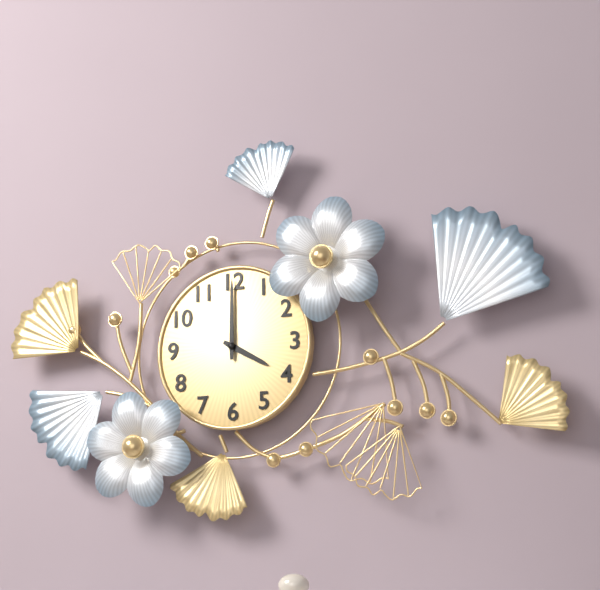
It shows h=4 m=0
